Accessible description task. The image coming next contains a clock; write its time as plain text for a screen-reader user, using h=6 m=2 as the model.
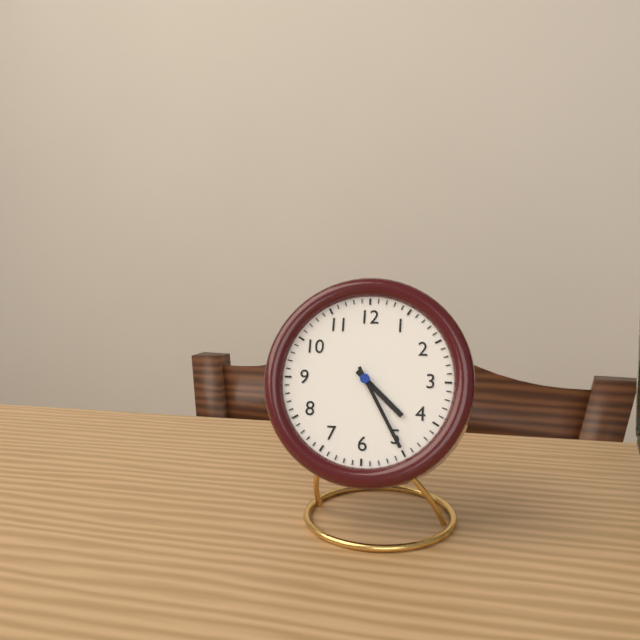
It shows h=4 m=25
